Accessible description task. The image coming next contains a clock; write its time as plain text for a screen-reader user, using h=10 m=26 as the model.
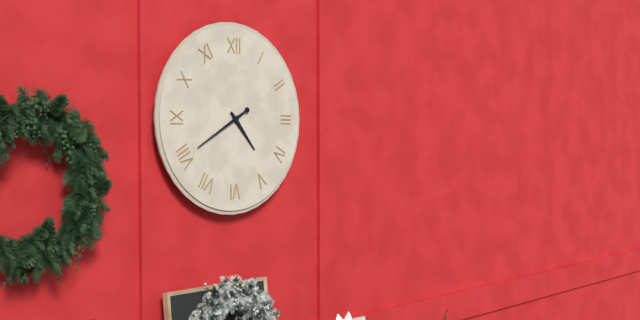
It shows h=4 m=40
